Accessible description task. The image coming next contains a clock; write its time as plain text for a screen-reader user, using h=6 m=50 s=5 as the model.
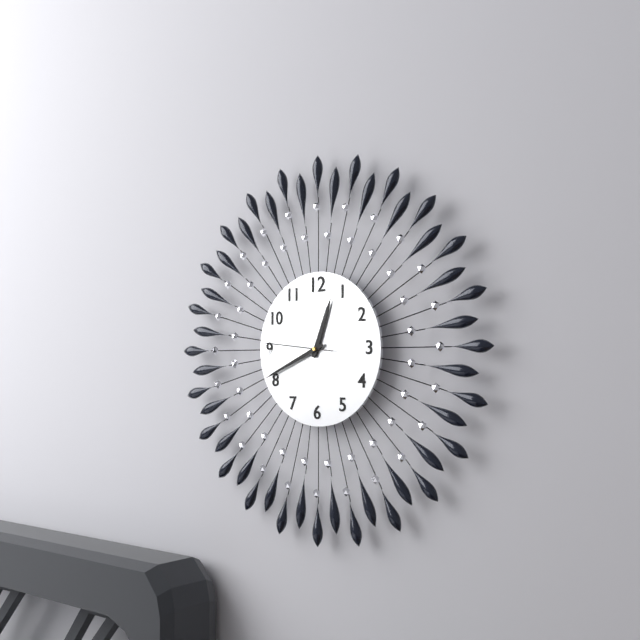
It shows h=12 m=41 s=46
